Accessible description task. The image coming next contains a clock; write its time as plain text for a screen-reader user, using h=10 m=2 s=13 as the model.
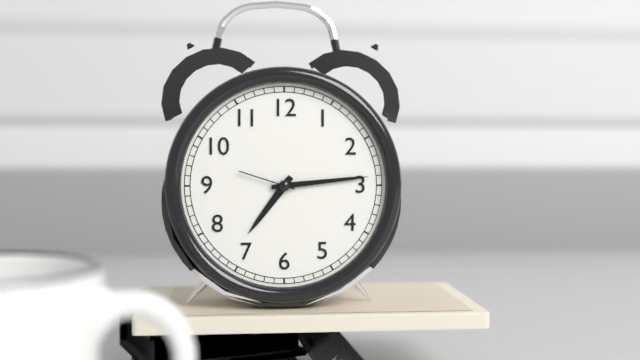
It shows h=7 m=14 s=48
